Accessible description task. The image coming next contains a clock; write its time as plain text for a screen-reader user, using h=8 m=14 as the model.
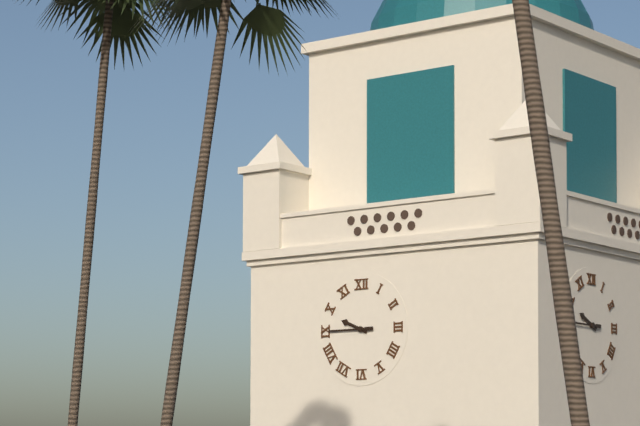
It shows h=9 m=45
